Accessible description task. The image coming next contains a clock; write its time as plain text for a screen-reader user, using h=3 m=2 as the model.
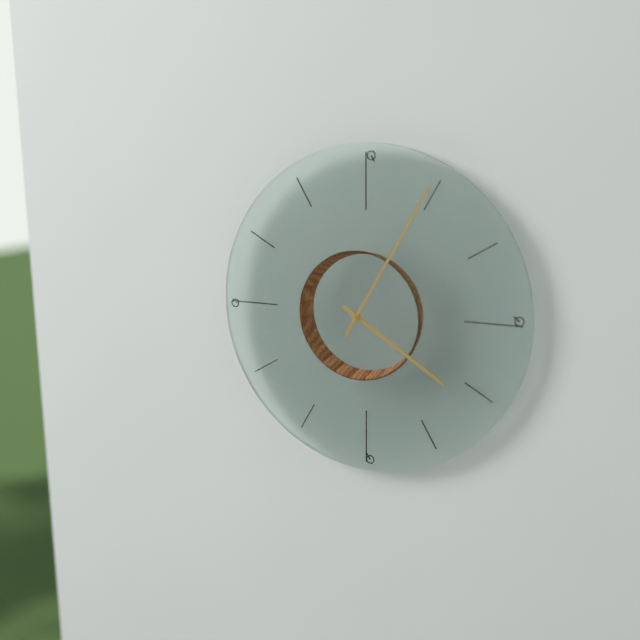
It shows h=4 m=5
